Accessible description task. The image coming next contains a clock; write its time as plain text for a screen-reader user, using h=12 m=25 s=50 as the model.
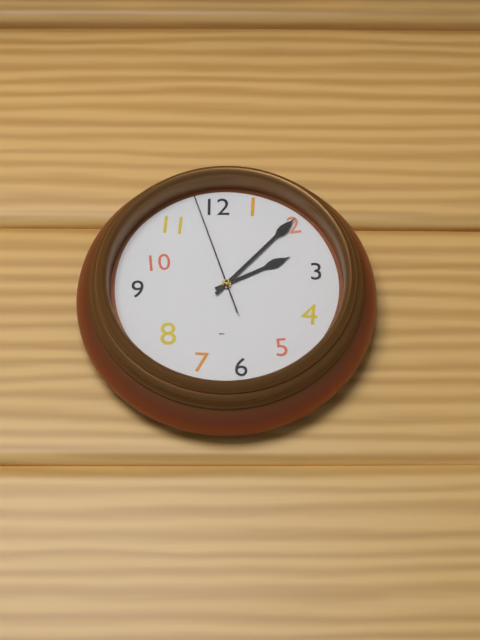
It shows h=2 m=7 s=57
